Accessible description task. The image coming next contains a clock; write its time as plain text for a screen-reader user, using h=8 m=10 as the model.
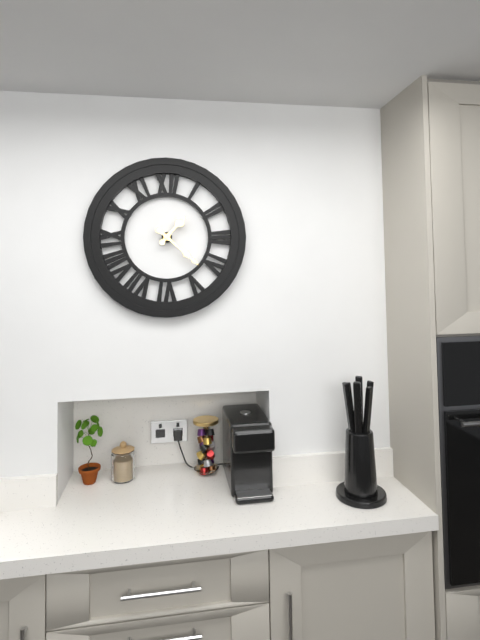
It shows h=1 m=22
